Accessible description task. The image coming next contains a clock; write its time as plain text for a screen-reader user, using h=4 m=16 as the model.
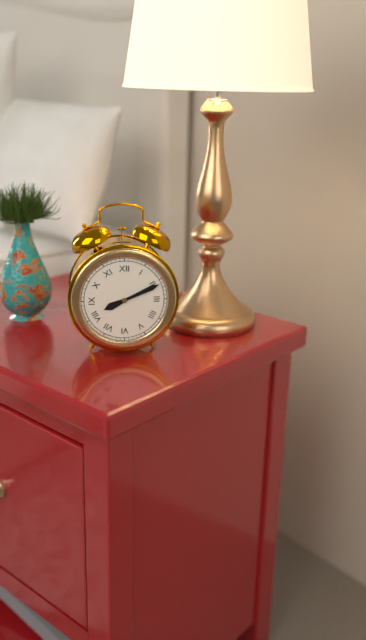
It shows h=8 m=11
